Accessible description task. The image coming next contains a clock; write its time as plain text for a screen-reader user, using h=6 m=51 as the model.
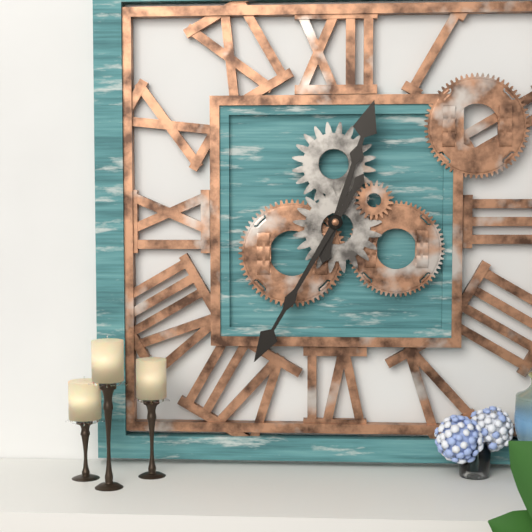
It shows h=12 m=35
